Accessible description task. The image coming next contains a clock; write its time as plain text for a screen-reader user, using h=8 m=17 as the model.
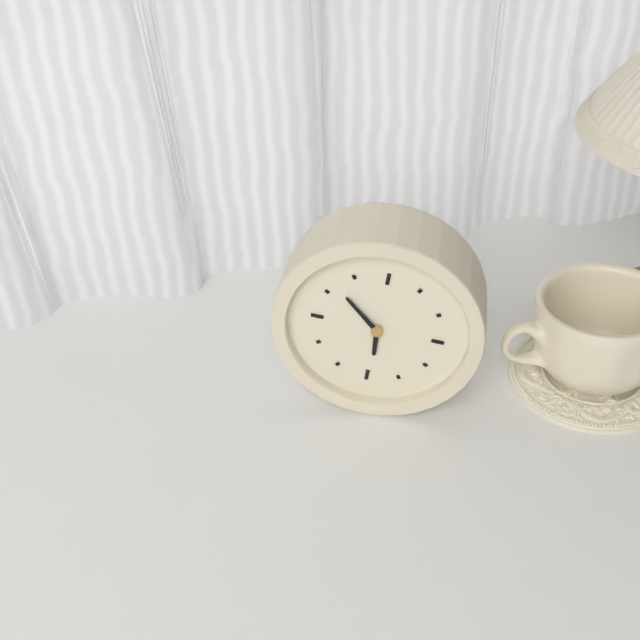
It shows h=5 m=52
